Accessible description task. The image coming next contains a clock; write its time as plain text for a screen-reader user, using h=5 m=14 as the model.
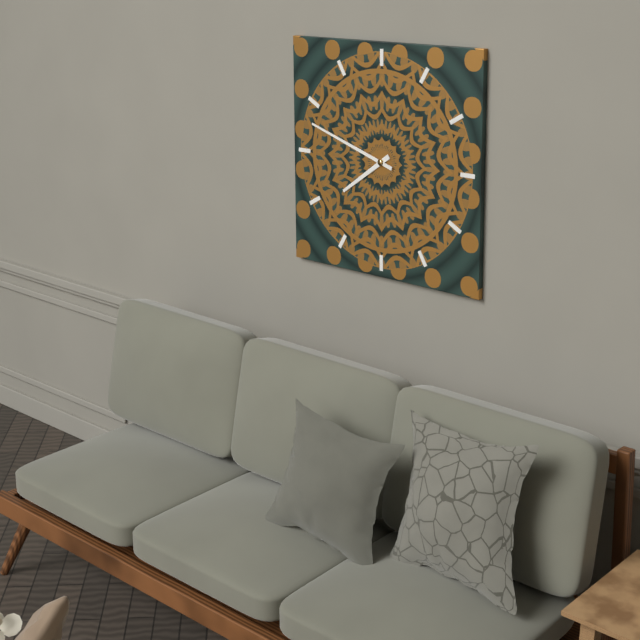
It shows h=7 m=48
